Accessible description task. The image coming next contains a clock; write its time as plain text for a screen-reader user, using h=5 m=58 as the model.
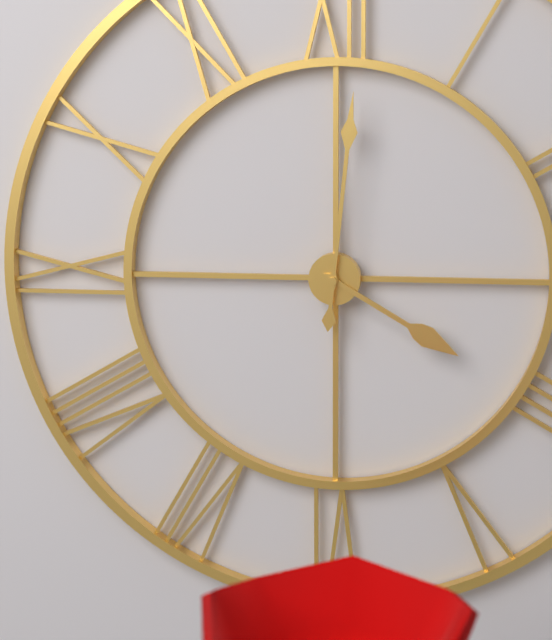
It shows h=4 m=1
